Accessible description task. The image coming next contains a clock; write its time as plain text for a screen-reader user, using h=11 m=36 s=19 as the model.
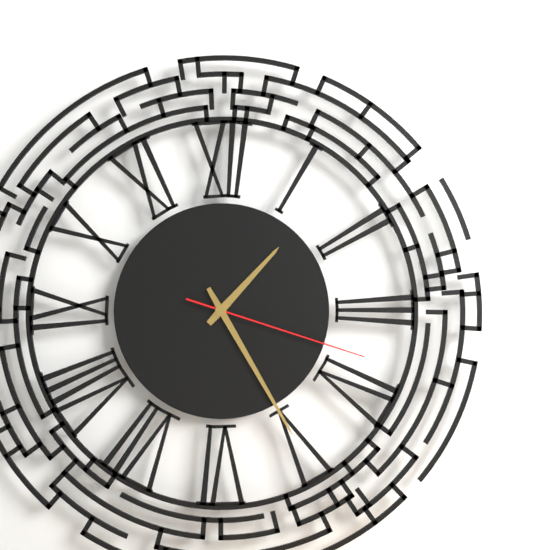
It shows h=1 m=25 s=18
